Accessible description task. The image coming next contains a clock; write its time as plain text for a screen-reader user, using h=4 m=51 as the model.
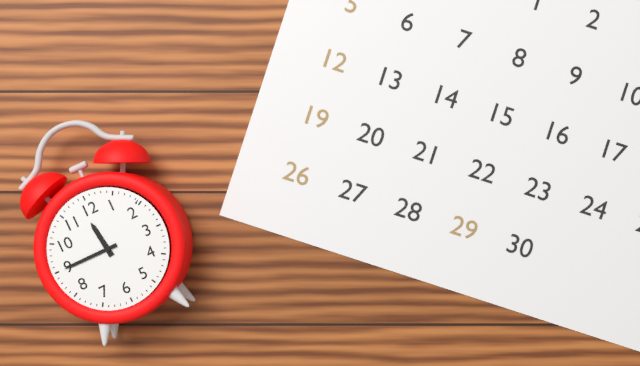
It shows h=11 m=45
